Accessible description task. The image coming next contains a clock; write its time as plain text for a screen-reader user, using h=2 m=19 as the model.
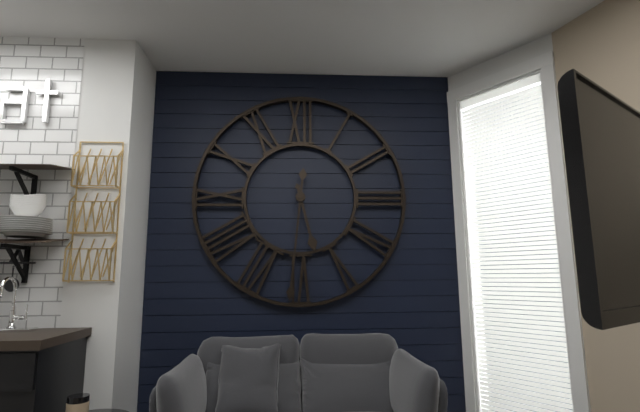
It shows h=5 m=31
